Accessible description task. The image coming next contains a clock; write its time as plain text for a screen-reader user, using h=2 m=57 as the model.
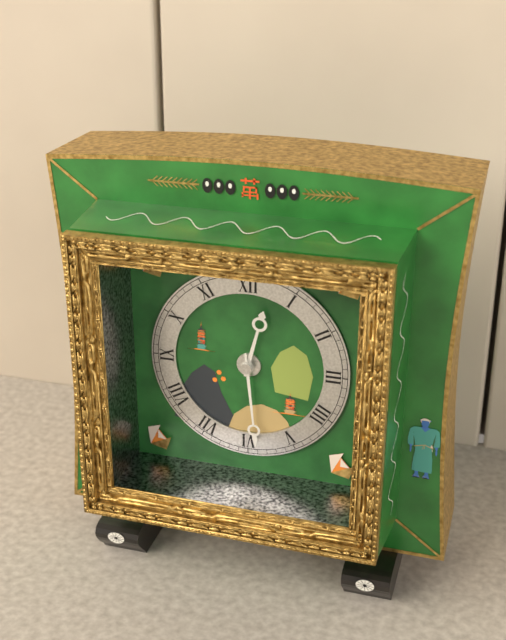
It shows h=12 m=29
